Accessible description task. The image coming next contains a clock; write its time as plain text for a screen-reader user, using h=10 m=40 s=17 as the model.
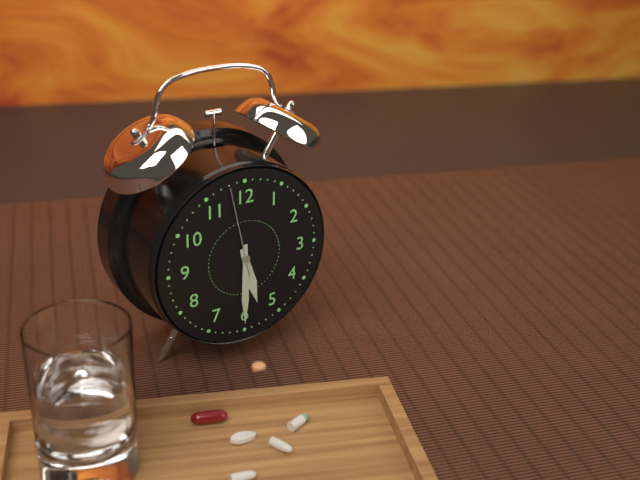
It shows h=5 m=30 s=58
